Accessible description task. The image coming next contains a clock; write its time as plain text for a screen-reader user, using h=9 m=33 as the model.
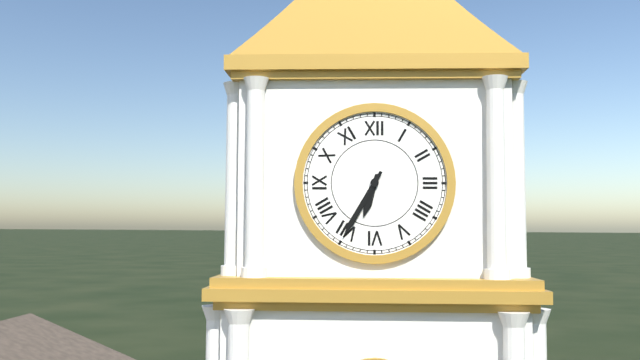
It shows h=6 m=35
